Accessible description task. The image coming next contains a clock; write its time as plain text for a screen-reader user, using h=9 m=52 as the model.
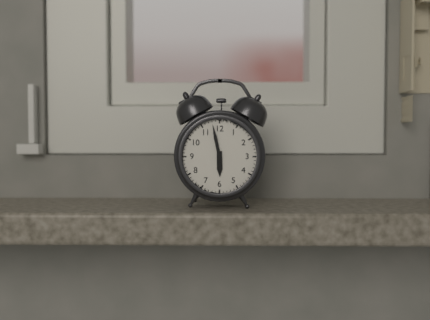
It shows h=5 m=58
